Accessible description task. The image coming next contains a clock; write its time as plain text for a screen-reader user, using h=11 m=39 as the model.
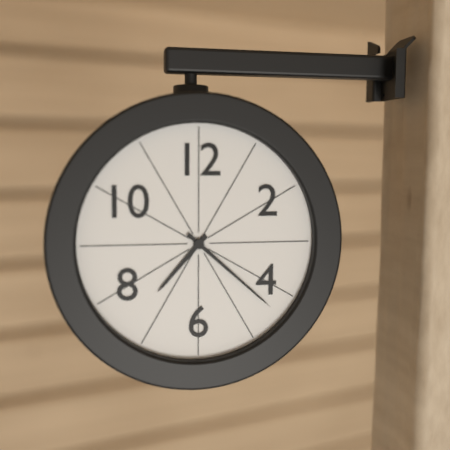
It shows h=7 m=22
